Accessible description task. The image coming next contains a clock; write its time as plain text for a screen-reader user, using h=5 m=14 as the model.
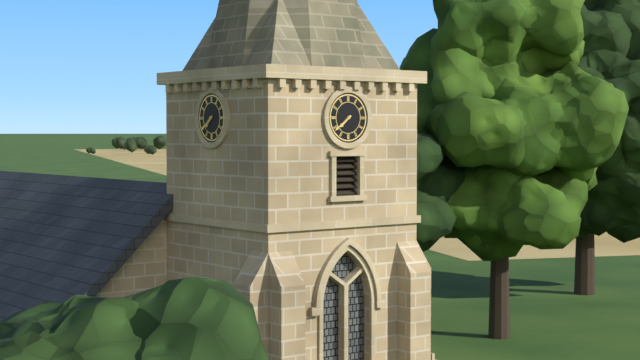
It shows h=7 m=39
